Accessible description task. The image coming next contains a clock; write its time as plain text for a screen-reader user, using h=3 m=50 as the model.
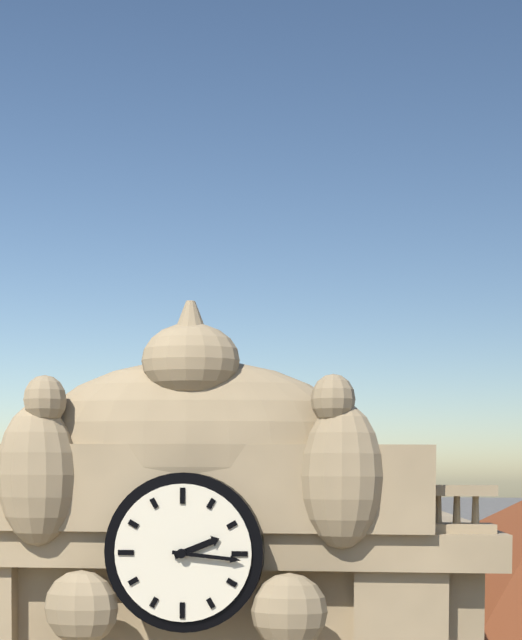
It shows h=2 m=16
